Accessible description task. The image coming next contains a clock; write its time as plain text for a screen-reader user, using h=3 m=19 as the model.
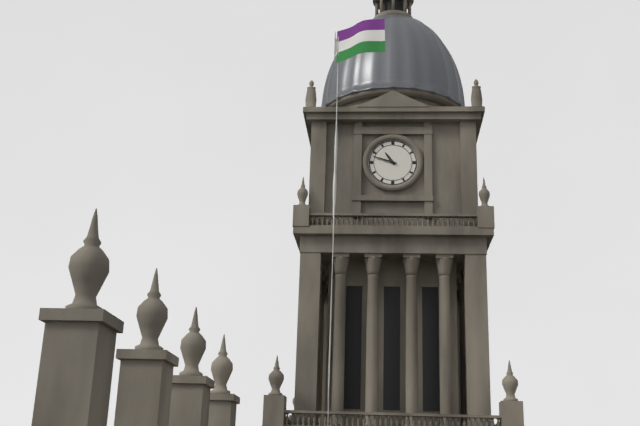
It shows h=10 m=48
